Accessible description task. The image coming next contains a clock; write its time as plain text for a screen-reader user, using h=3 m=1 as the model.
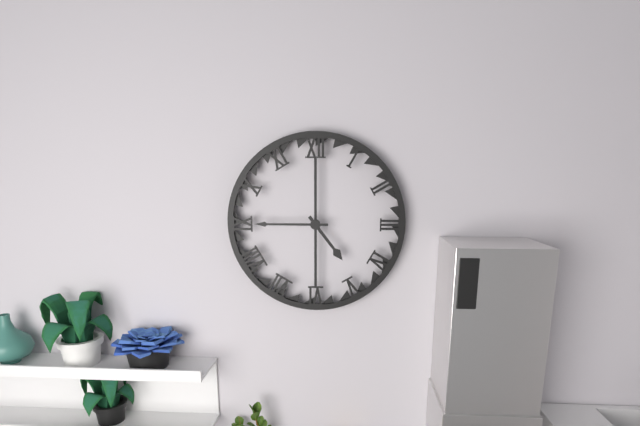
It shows h=4 m=45
